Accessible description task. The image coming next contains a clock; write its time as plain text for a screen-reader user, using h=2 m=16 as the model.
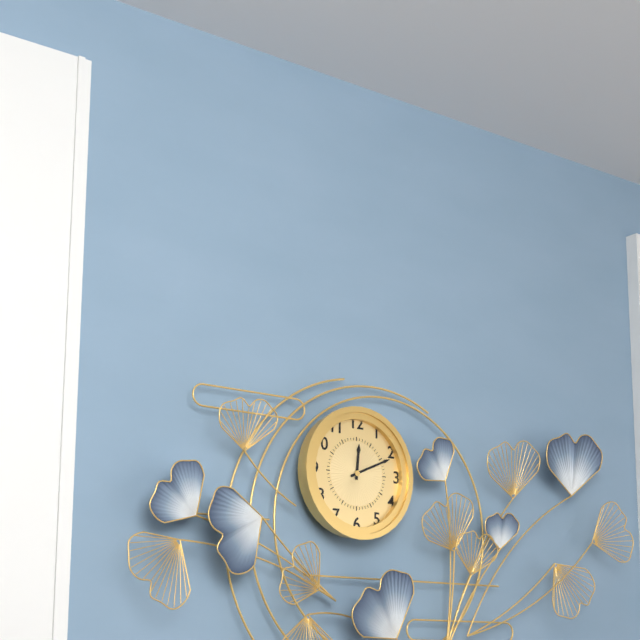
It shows h=12 m=11
